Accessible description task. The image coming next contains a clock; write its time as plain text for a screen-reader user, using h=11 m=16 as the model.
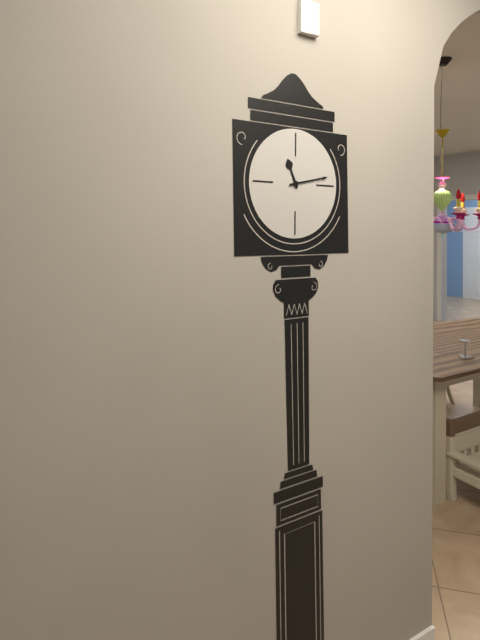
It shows h=11 m=13
